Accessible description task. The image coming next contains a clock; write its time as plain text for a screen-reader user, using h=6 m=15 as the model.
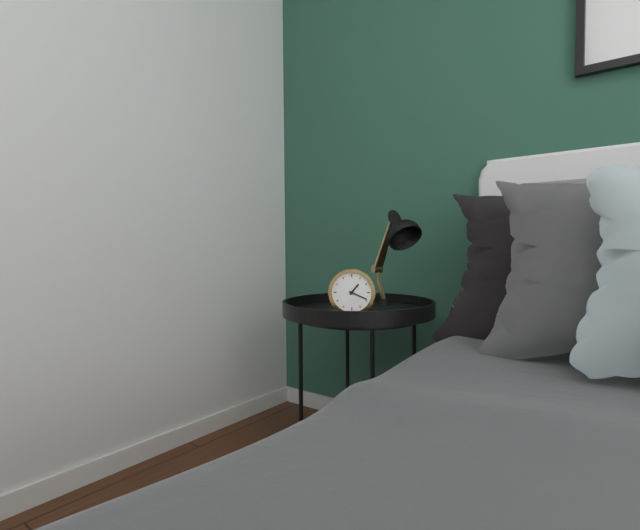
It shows h=1 m=19
